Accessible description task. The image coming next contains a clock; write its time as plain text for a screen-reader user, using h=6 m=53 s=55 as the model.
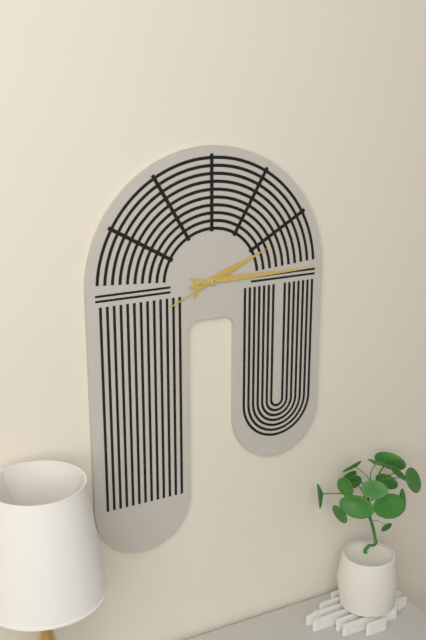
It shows h=2 m=15 s=41
